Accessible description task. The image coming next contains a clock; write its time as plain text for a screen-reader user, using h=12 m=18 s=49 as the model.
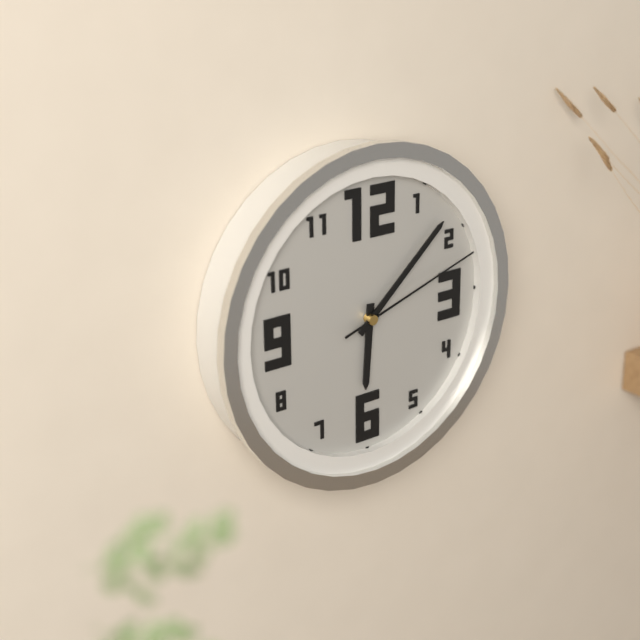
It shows h=6 m=8 s=12
